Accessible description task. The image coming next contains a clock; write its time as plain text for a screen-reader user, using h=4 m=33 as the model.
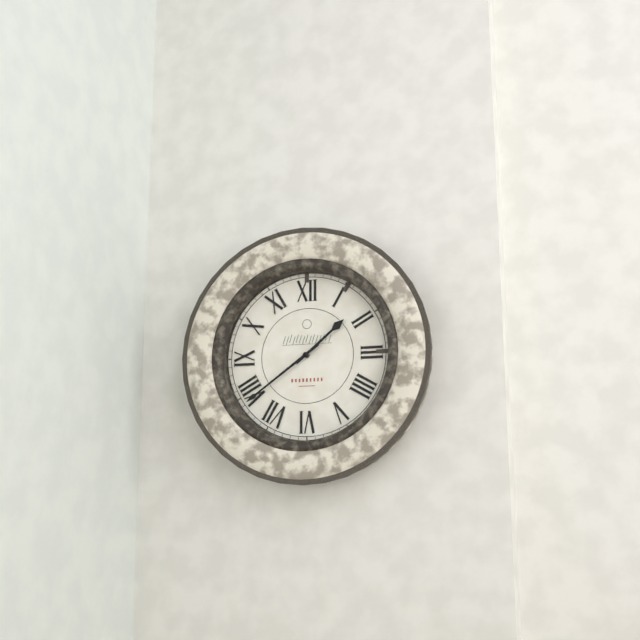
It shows h=1 m=39
